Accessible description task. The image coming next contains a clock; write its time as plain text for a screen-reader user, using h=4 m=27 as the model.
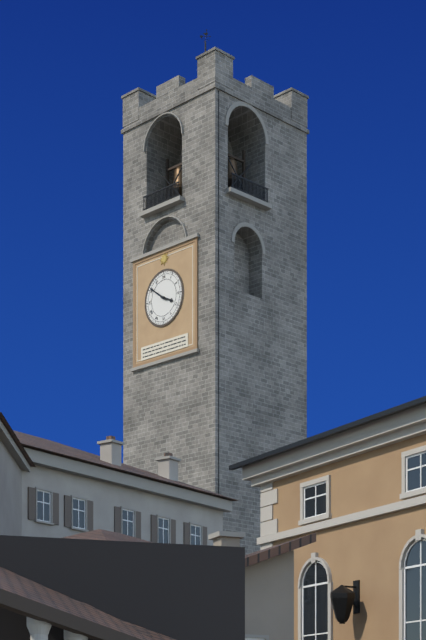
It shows h=3 m=51
